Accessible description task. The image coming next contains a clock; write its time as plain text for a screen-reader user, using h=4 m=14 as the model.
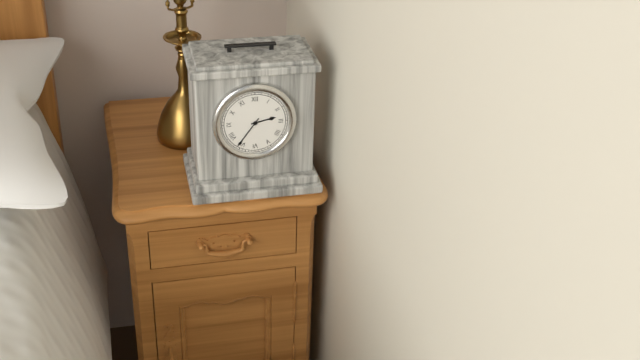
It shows h=2 m=36
